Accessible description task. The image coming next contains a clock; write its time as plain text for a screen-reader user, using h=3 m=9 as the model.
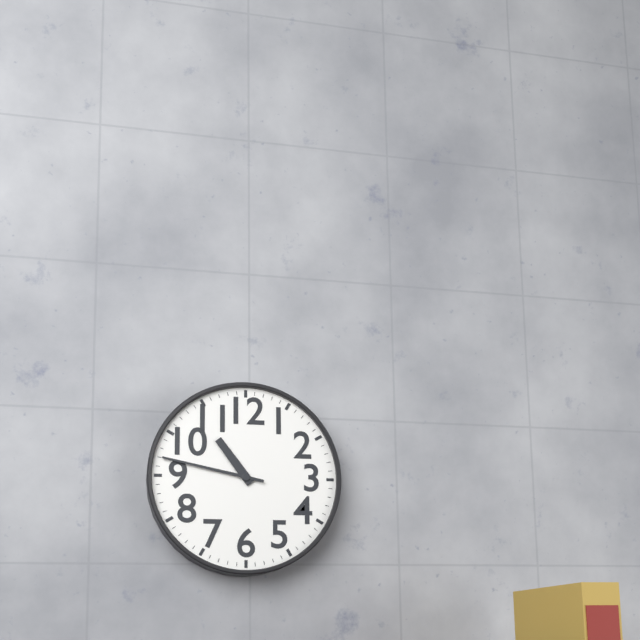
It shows h=10 m=47
